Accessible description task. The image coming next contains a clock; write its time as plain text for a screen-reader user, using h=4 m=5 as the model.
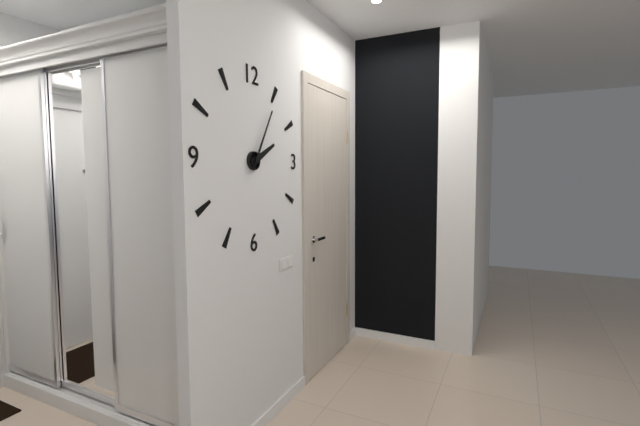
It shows h=2 m=5
